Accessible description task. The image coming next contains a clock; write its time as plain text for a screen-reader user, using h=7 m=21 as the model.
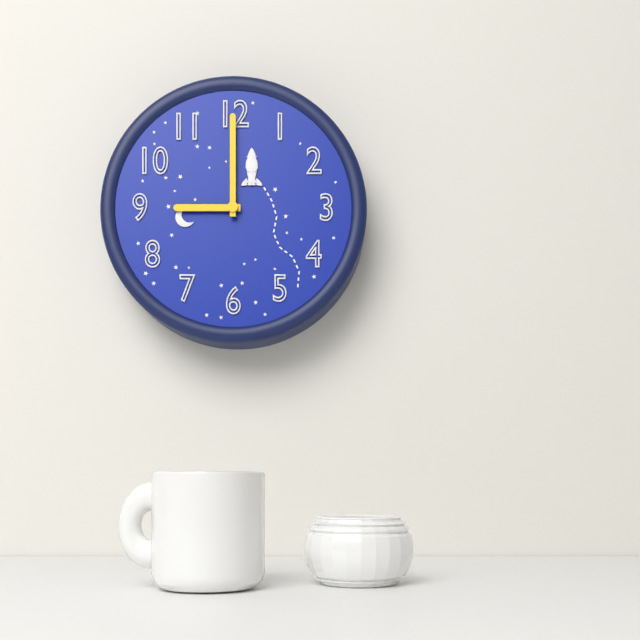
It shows h=9 m=0
